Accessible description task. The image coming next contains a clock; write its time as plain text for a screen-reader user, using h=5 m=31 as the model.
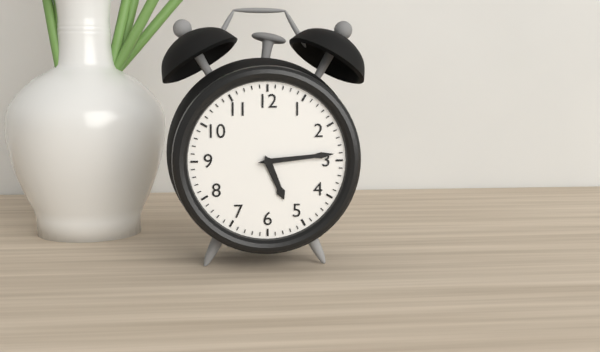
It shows h=5 m=14
